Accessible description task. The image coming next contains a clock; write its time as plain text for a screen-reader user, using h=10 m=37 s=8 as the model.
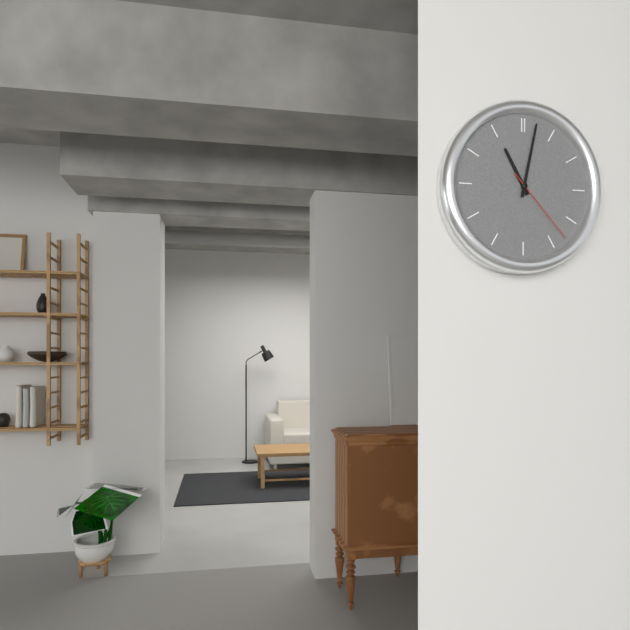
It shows h=11 m=2 s=23
